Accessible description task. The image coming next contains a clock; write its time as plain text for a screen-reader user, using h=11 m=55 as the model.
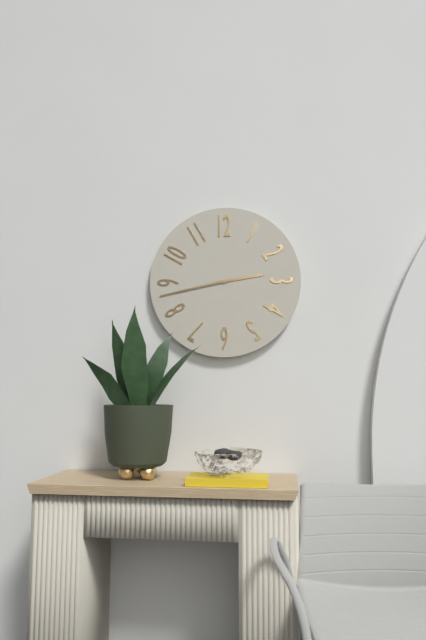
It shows h=2 m=43
